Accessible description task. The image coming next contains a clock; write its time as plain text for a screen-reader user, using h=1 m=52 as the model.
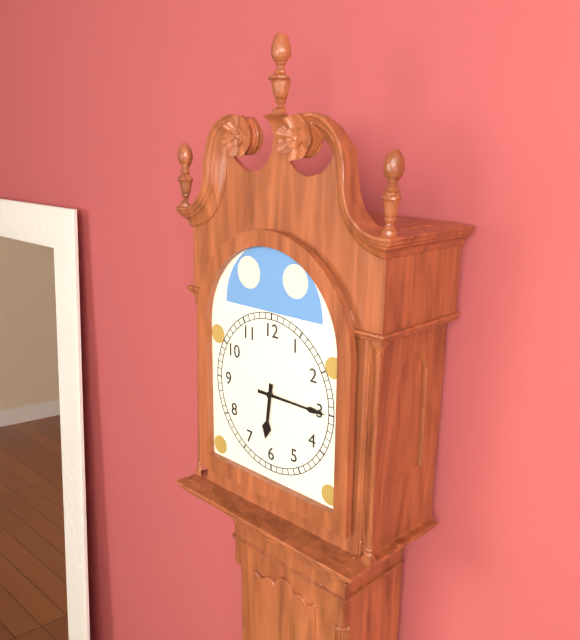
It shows h=6 m=15
